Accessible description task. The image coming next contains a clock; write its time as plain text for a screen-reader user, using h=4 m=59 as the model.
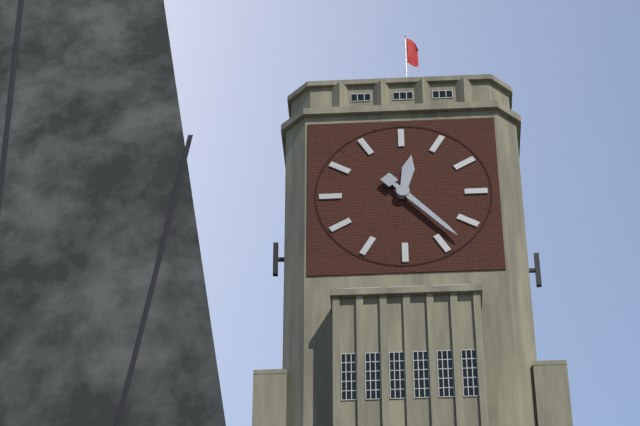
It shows h=12 m=23
